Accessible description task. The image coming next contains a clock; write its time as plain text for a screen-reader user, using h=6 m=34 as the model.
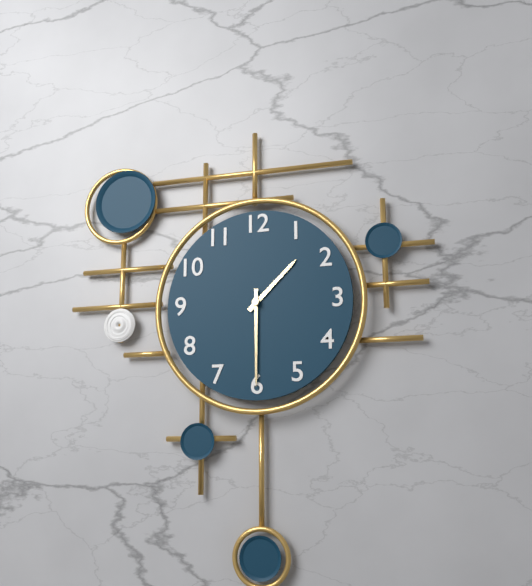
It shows h=1 m=30
